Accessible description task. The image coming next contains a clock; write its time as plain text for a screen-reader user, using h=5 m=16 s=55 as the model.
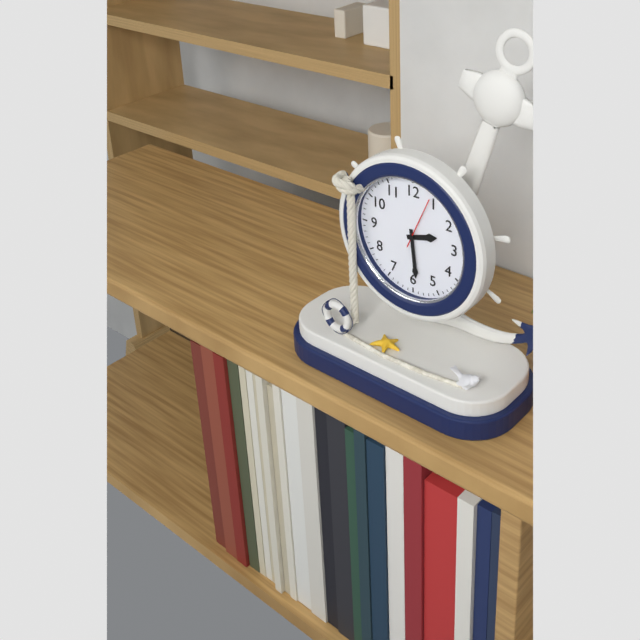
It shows h=2 m=29 s=4
